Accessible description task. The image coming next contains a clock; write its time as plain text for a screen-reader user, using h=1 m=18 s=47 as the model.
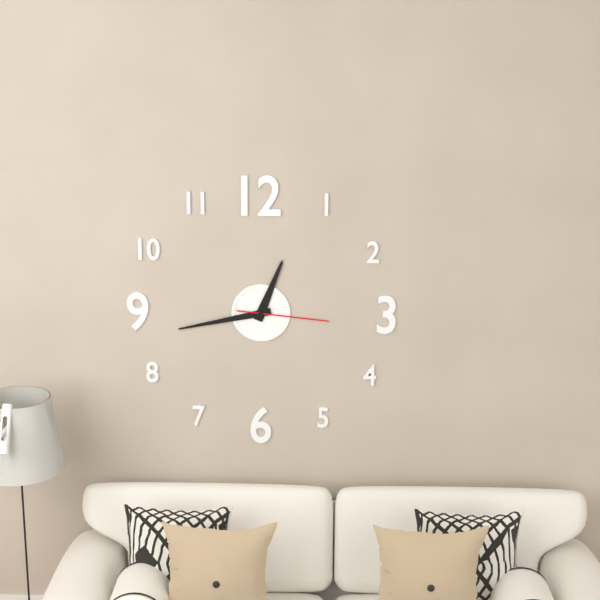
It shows h=12 m=43 s=16
